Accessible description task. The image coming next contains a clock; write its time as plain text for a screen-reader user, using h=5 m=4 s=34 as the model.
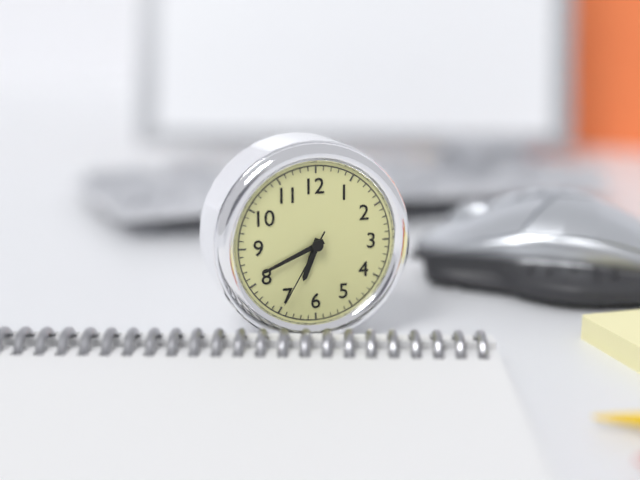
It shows h=6 m=41 s=35
